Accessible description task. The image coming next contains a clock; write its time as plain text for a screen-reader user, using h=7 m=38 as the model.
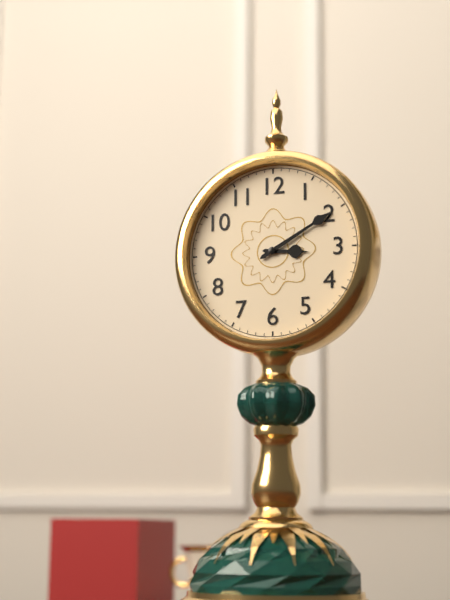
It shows h=3 m=10
